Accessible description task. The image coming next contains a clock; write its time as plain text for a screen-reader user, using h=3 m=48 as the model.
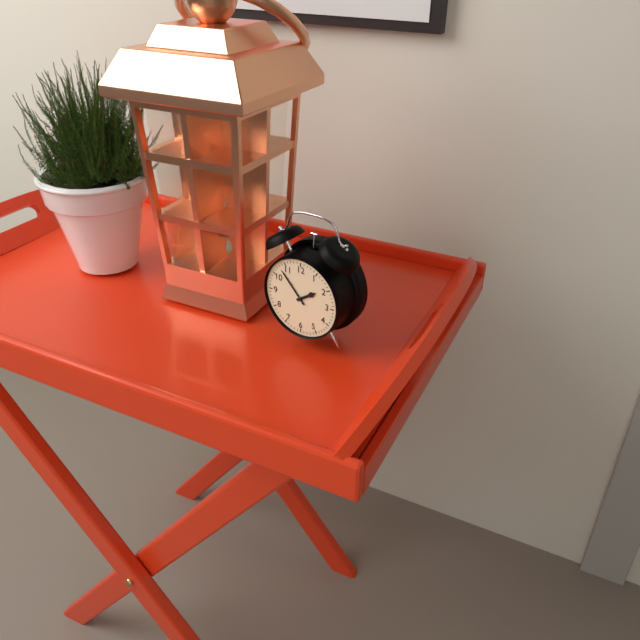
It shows h=1 m=53
